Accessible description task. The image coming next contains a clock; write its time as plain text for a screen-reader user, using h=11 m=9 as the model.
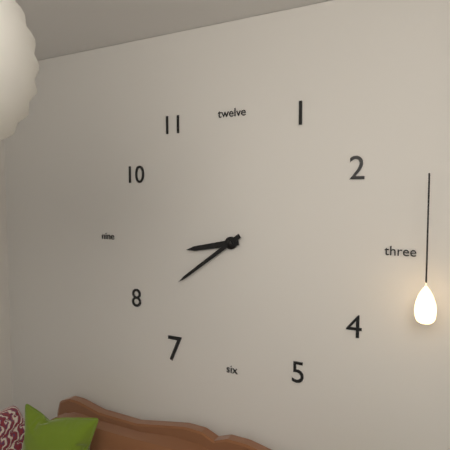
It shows h=8 m=39
